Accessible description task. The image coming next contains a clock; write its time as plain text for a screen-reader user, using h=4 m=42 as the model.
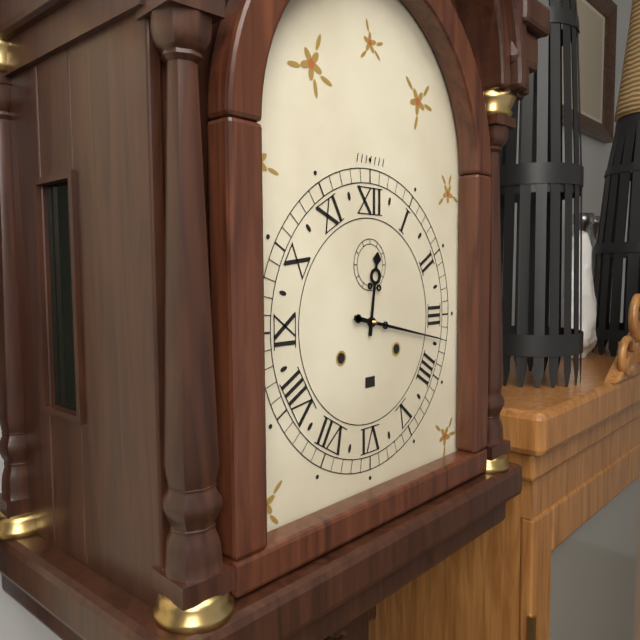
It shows h=12 m=17
